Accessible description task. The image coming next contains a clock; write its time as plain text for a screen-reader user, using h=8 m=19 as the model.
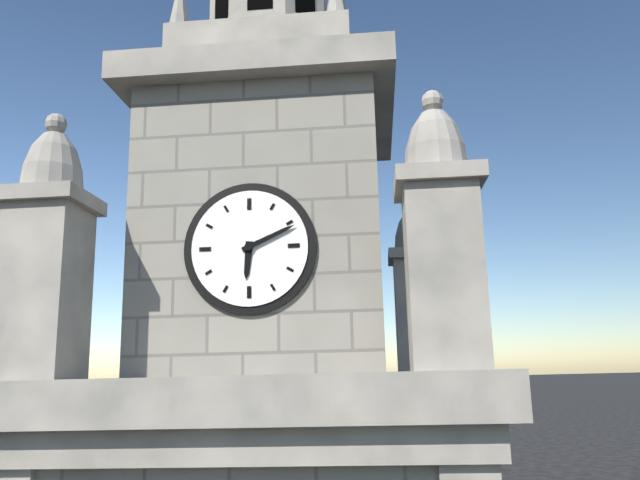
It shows h=6 m=11
